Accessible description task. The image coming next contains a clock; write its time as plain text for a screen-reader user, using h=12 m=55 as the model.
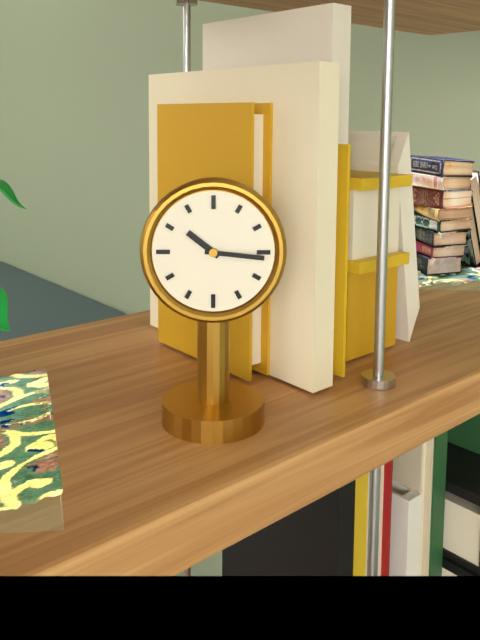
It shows h=10 m=16
